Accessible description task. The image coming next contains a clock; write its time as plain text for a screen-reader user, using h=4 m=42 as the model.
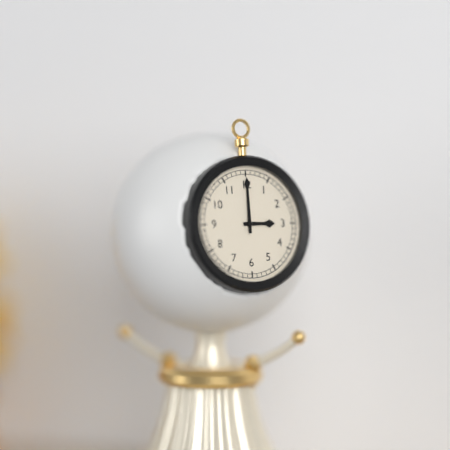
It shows h=3 m=0
